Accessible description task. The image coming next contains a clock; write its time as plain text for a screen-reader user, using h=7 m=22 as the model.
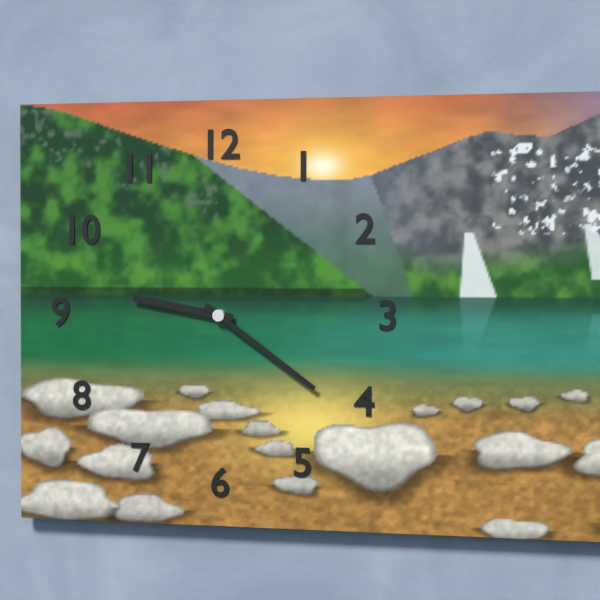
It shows h=9 m=21
